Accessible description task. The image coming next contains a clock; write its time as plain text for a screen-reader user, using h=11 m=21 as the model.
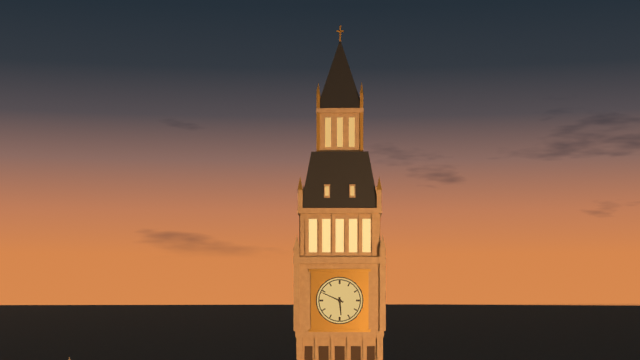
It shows h=5 m=49
